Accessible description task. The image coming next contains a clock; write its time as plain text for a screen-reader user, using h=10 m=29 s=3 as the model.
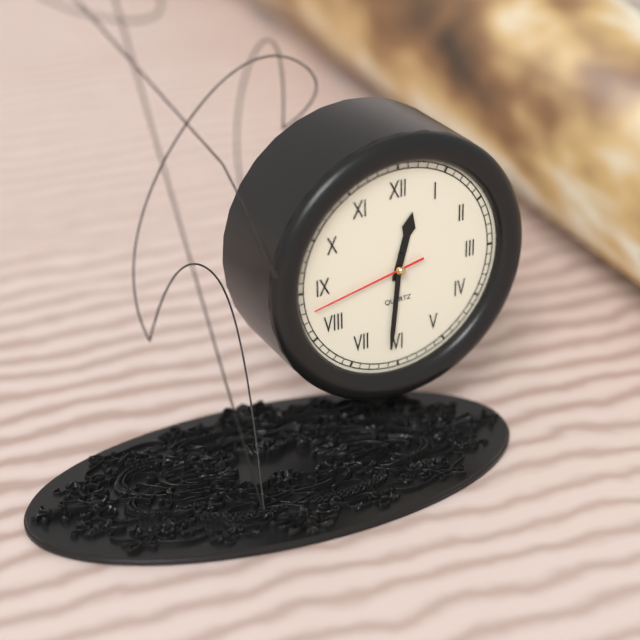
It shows h=12 m=31 s=43
